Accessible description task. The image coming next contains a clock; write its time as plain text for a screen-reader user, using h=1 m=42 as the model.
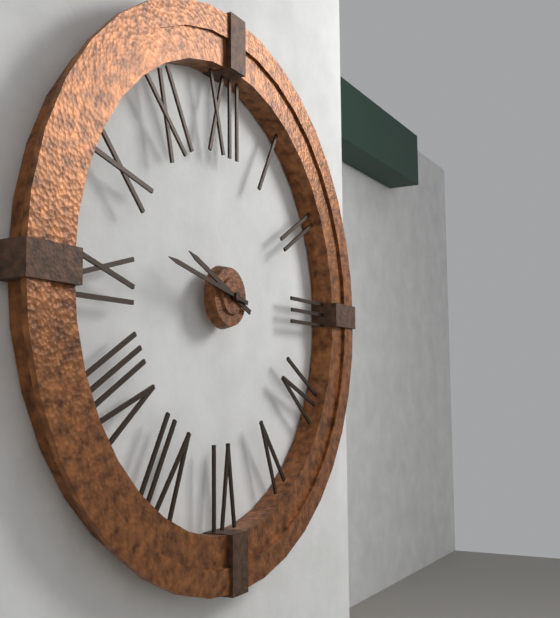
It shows h=9 m=47
